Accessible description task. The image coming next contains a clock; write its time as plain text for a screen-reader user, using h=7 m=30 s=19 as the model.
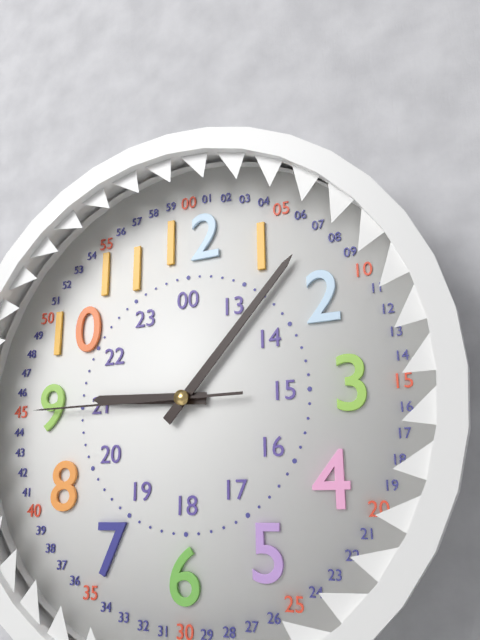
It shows h=9 m=7 s=45
